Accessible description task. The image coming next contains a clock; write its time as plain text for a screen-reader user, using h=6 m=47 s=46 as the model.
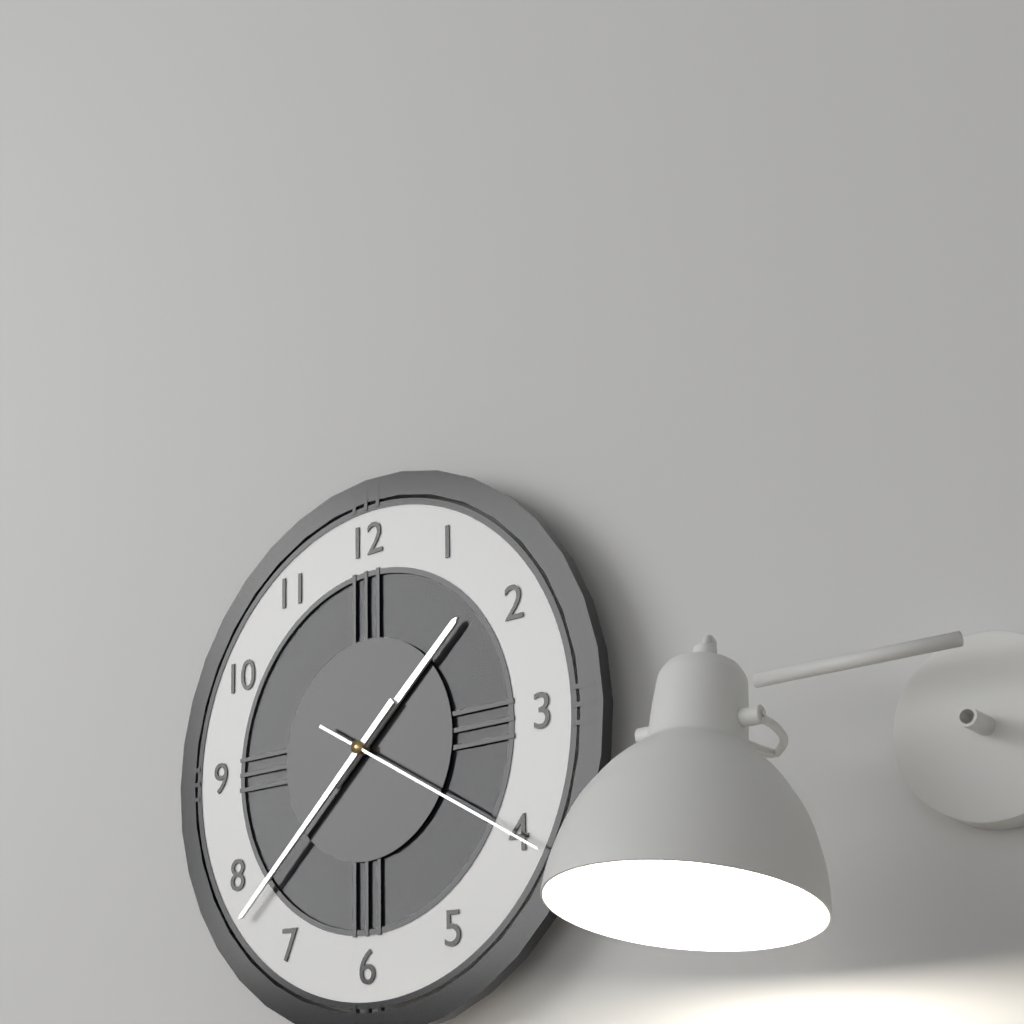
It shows h=1 m=38 s=20
